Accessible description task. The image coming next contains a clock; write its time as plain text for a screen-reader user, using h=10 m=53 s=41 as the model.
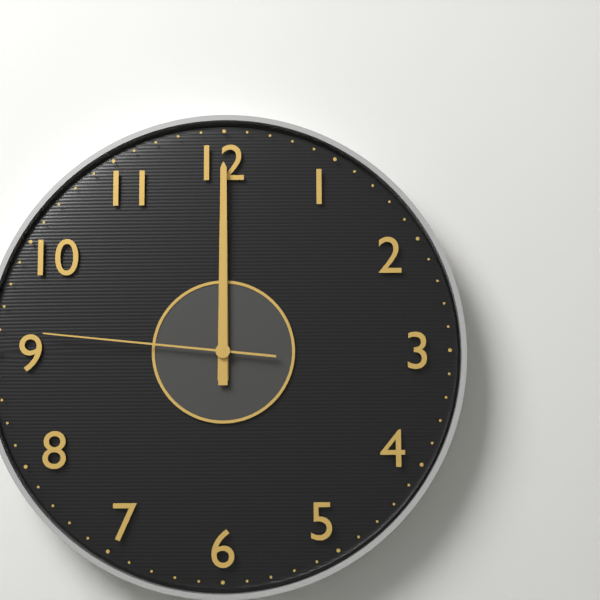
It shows h=12 m=0 s=46
